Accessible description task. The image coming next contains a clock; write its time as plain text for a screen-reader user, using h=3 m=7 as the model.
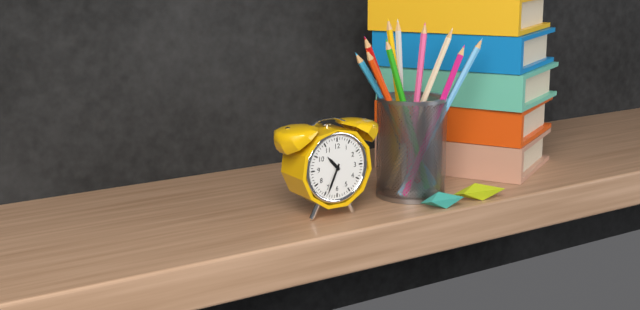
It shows h=10 m=34
